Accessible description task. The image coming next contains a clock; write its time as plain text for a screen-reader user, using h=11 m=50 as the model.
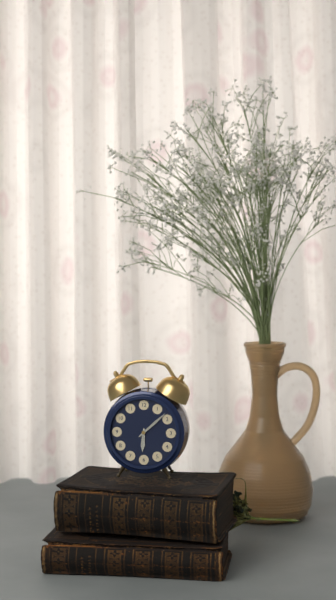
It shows h=6 m=8
